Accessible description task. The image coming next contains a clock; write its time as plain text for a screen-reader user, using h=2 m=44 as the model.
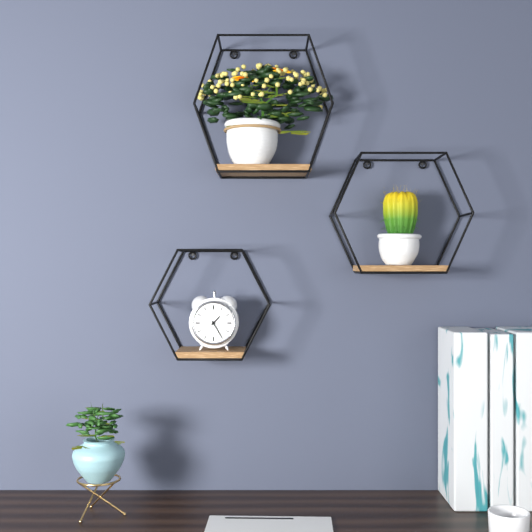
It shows h=1 m=25
